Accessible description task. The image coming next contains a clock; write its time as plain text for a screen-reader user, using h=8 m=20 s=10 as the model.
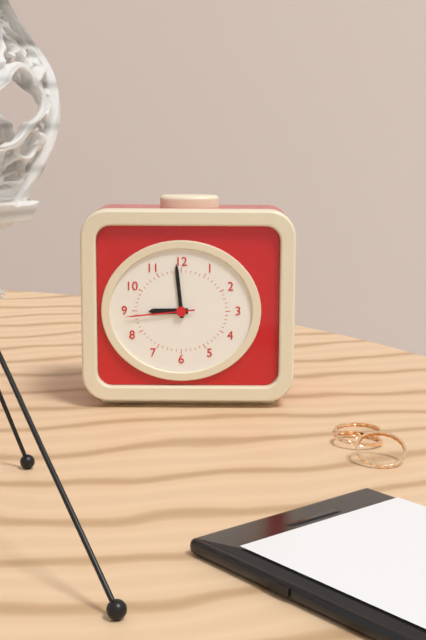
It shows h=8 m=59 s=44
